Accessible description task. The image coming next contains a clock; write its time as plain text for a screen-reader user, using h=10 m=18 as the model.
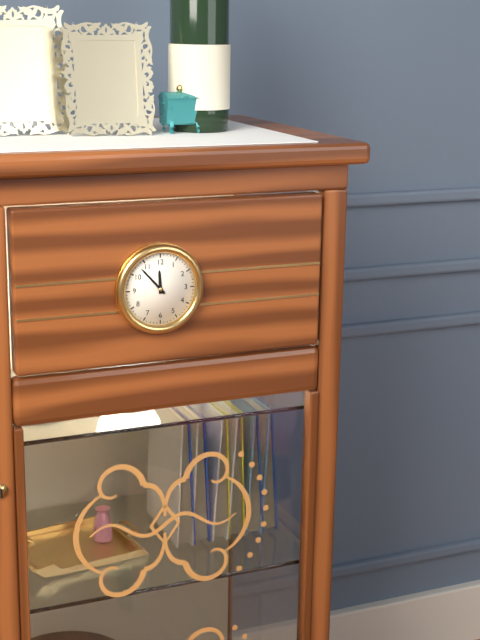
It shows h=11 m=53
